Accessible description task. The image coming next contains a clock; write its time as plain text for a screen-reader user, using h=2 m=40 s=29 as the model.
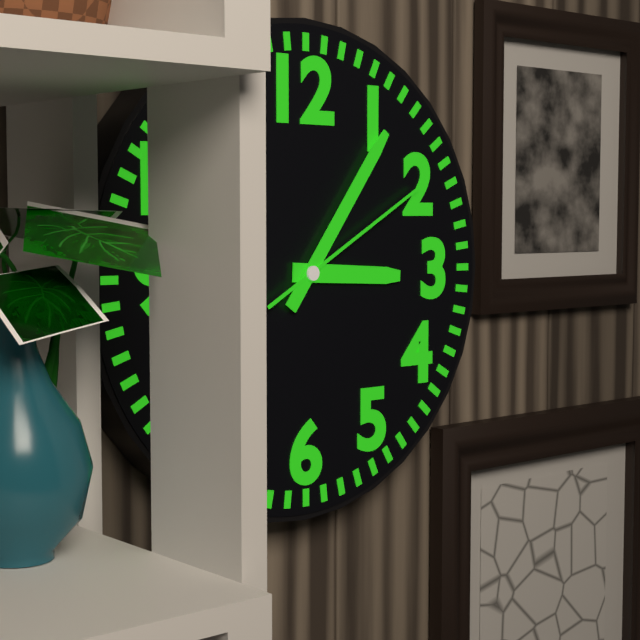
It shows h=3 m=6 s=10
